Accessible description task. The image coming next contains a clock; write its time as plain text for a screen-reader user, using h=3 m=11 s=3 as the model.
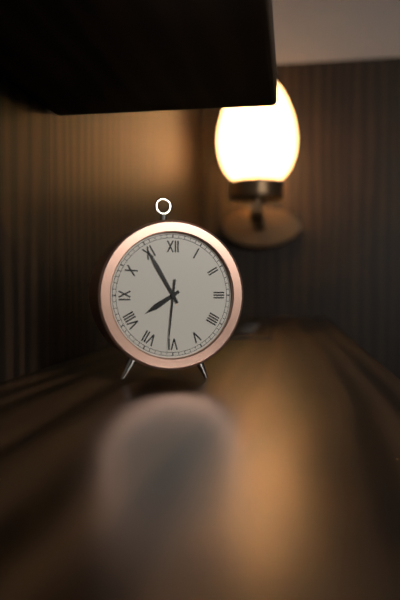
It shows h=7 m=55 s=31
